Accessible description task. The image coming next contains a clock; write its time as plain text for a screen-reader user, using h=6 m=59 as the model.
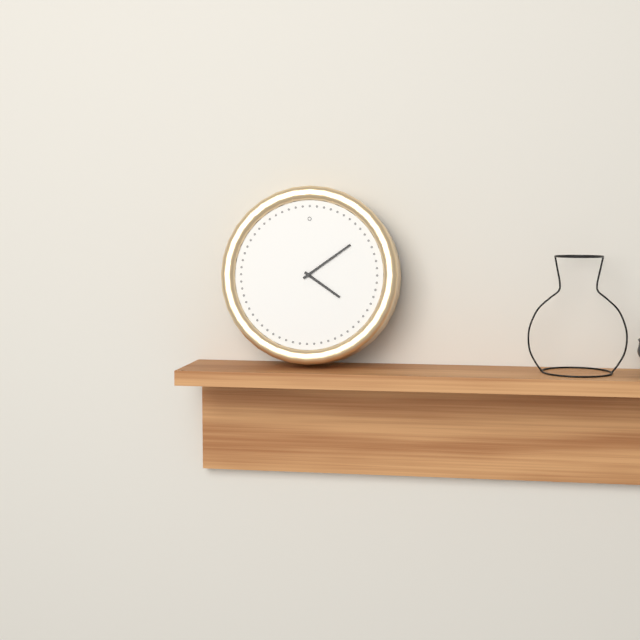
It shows h=4 m=9
